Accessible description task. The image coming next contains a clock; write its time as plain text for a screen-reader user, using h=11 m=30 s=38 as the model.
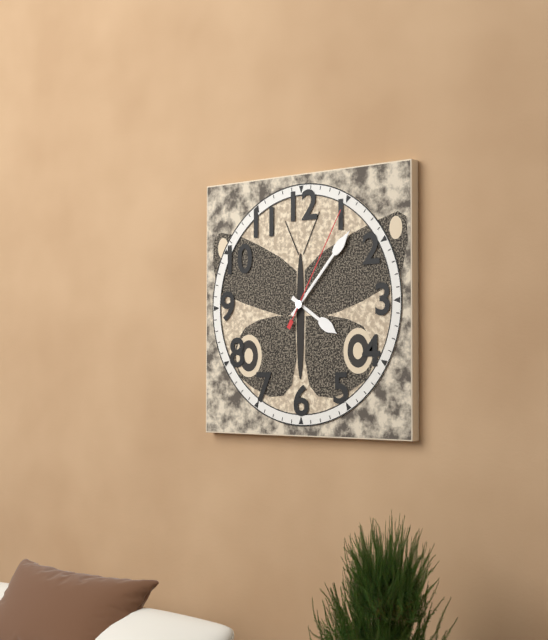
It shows h=4 m=7 s=5
